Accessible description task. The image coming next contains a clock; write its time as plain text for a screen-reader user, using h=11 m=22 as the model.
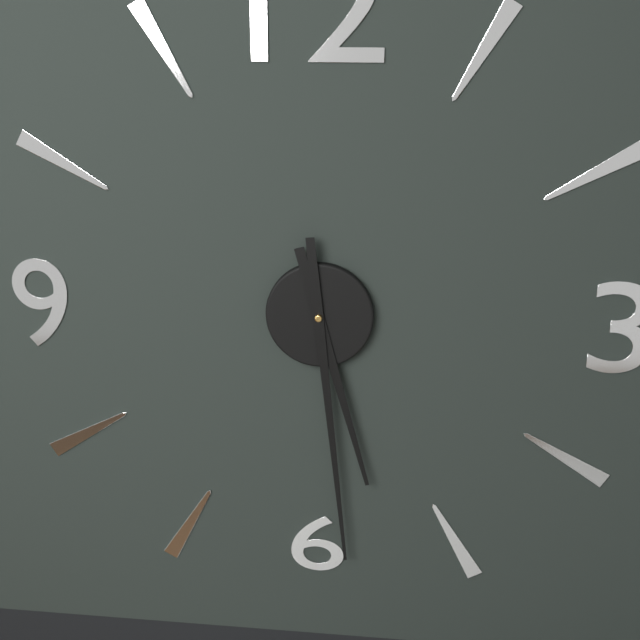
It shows h=5 m=29
